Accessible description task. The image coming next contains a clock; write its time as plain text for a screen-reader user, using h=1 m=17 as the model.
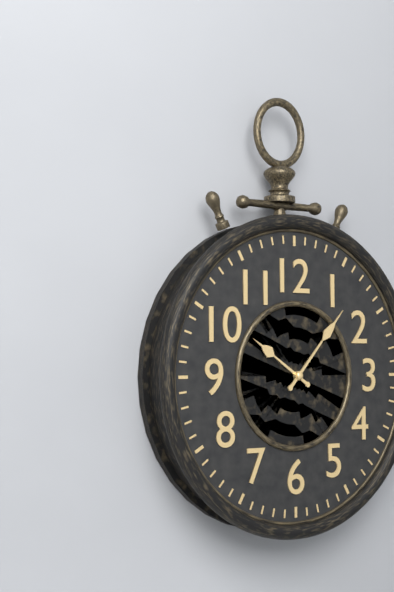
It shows h=10 m=7
